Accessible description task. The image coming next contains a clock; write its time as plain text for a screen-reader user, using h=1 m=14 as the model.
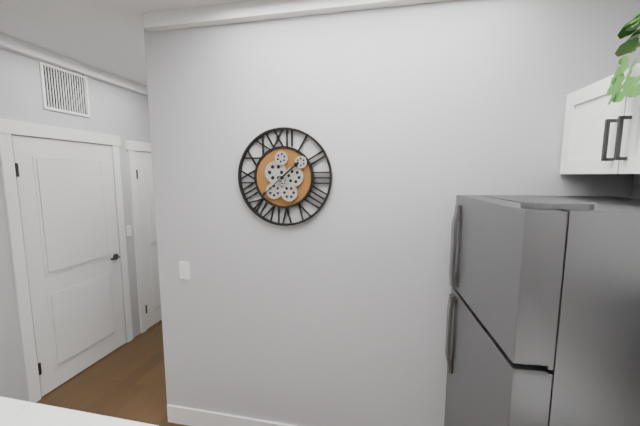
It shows h=1 m=38
